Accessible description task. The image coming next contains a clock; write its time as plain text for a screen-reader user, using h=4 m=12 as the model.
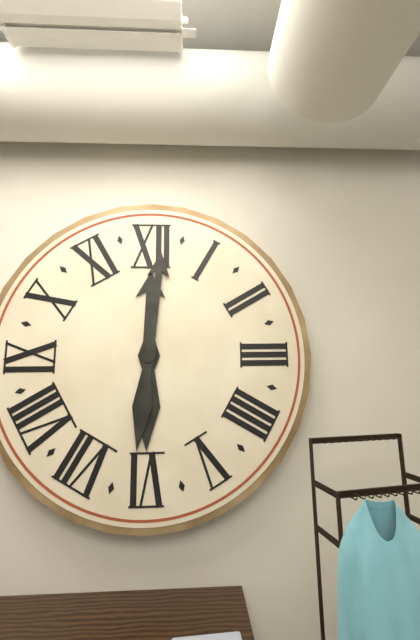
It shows h=12 m=1
